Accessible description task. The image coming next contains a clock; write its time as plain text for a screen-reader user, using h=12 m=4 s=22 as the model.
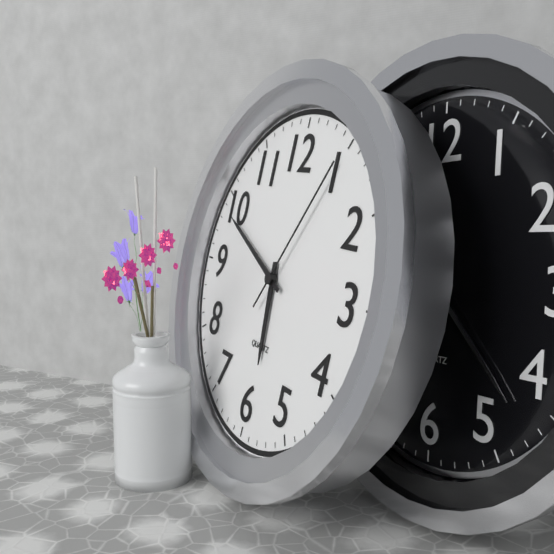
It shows h=5 m=49 s=5
